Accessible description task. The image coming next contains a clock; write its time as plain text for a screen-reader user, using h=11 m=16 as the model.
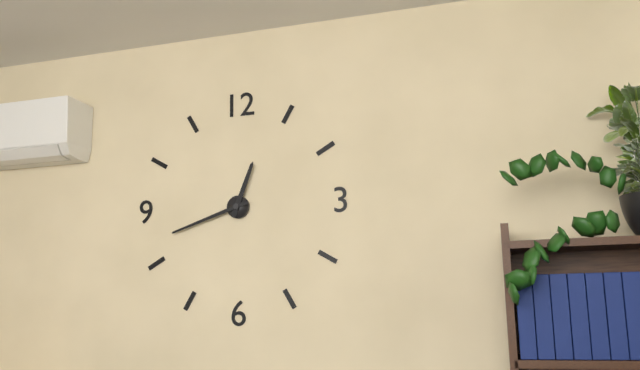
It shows h=12 m=42
